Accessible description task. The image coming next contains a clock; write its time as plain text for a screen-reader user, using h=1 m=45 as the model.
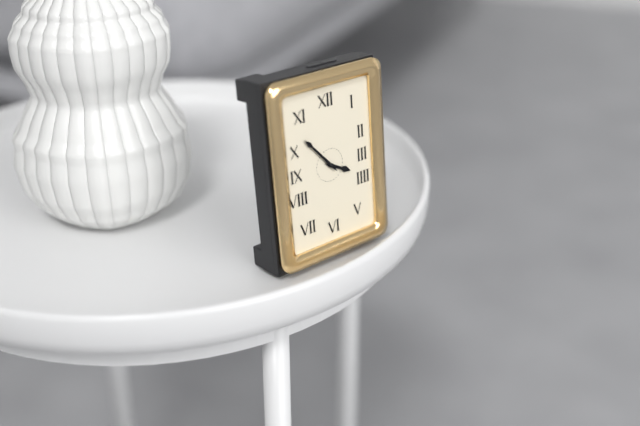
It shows h=3 m=53
